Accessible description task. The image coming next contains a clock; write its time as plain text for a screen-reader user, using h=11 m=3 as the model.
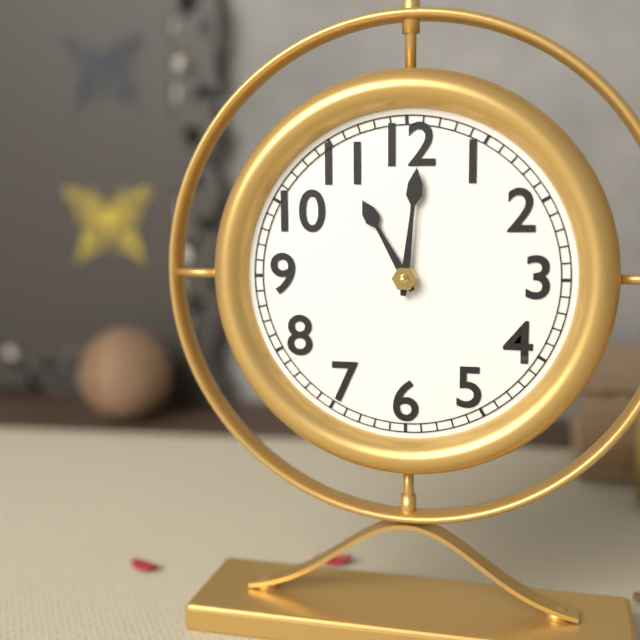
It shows h=11 m=1
